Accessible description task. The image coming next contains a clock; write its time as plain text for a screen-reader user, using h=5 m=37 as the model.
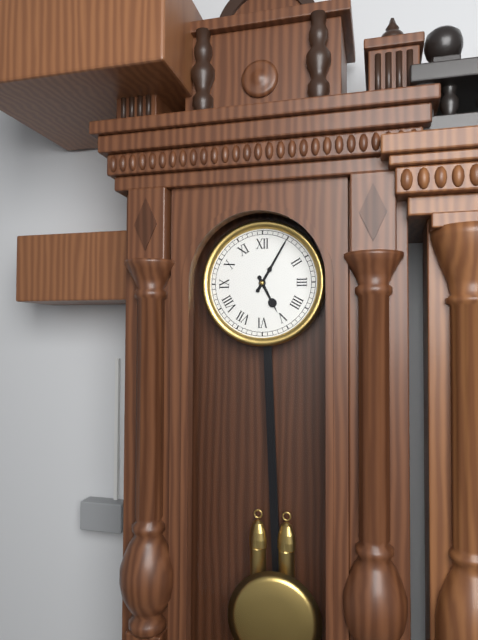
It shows h=5 m=5
